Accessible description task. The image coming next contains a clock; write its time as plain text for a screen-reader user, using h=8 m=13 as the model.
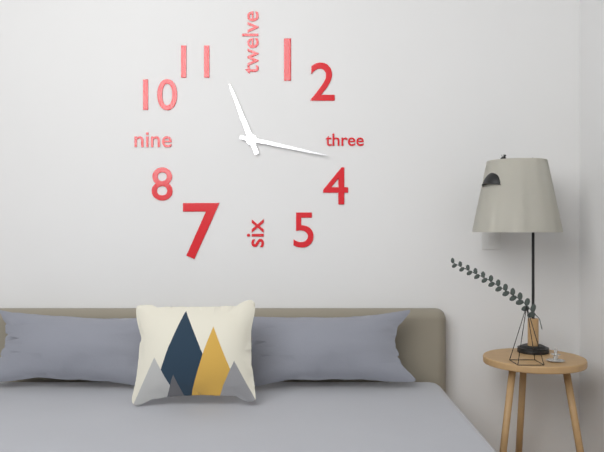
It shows h=11 m=17
